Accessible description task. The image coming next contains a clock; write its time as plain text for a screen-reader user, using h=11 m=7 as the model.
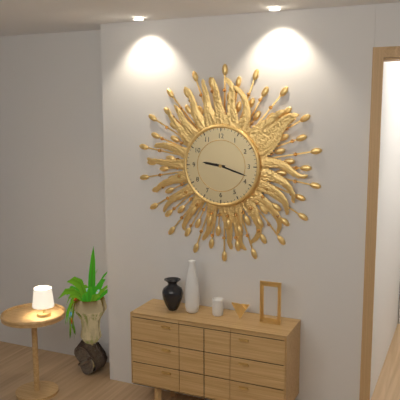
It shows h=9 m=18
